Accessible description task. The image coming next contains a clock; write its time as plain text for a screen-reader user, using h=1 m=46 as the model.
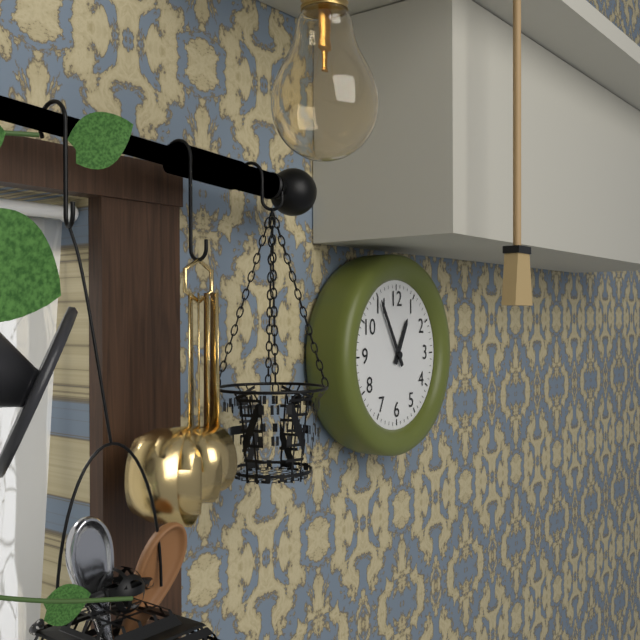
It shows h=12 m=55
